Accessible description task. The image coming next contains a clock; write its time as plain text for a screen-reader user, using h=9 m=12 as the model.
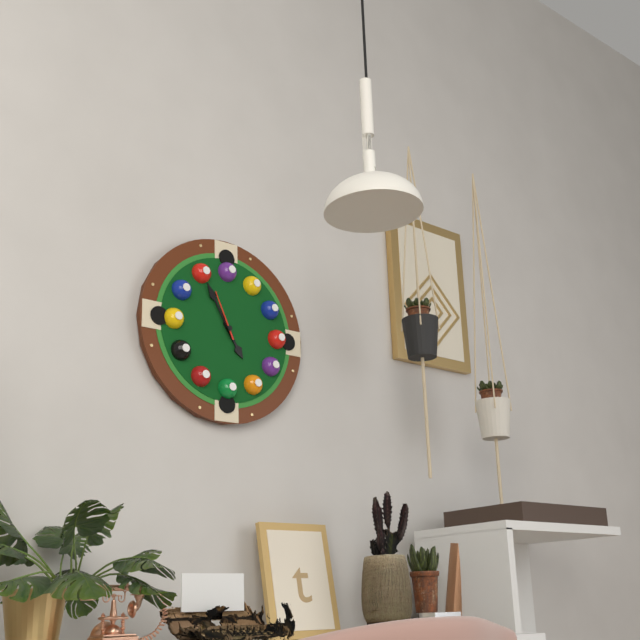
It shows h=4 m=55
